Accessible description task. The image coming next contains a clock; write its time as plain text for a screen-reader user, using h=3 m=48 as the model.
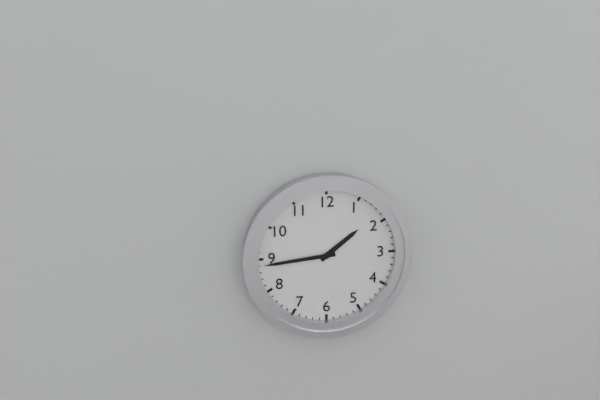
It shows h=1 m=44
